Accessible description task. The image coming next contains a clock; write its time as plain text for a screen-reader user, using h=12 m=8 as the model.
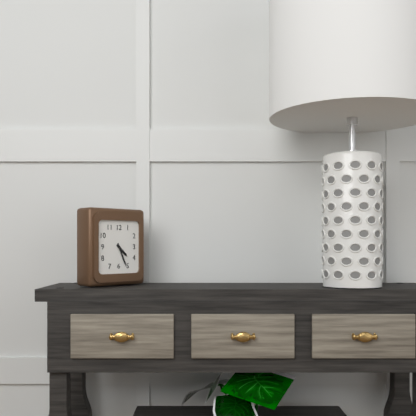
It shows h=4 m=26
